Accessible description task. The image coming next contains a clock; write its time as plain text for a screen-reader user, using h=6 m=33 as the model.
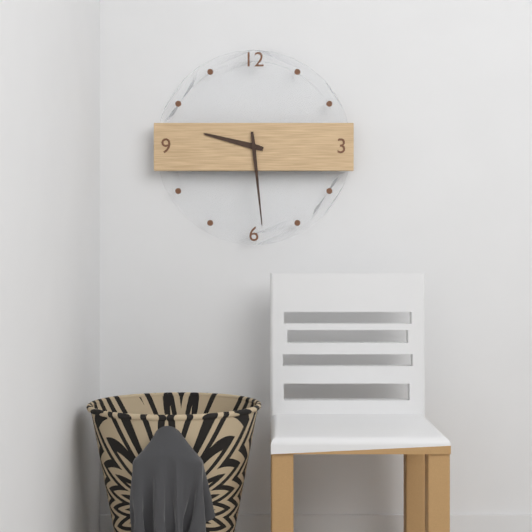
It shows h=9 m=29
